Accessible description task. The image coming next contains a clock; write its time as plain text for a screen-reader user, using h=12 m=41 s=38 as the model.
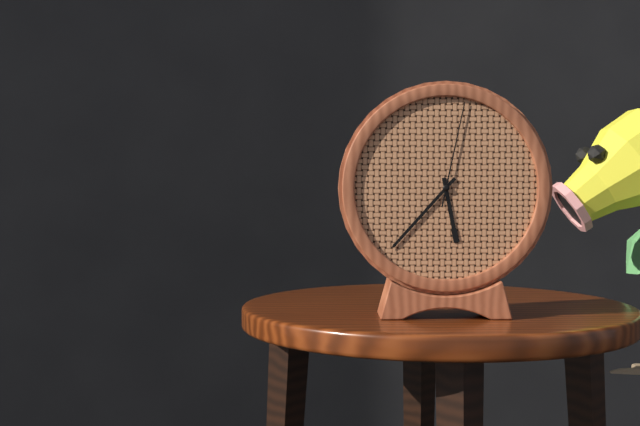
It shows h=5 m=37 s=2
